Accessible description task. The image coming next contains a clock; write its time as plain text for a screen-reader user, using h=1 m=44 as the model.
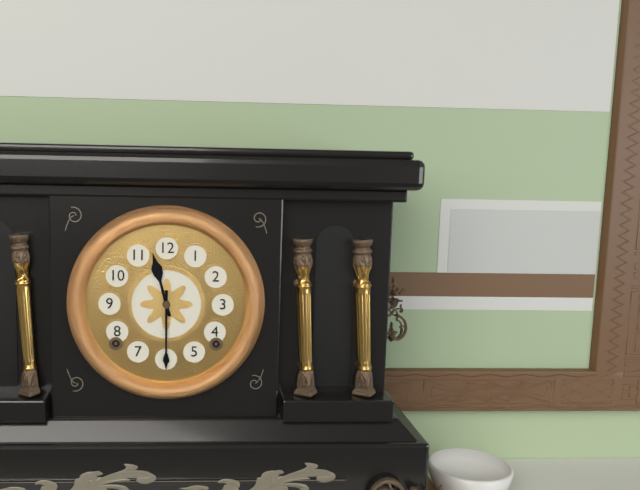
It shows h=11 m=30
